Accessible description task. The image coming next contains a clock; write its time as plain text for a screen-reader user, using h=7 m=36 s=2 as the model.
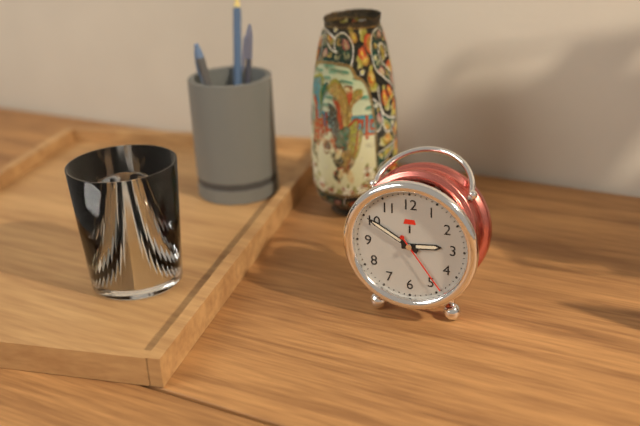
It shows h=2 m=50 s=24
